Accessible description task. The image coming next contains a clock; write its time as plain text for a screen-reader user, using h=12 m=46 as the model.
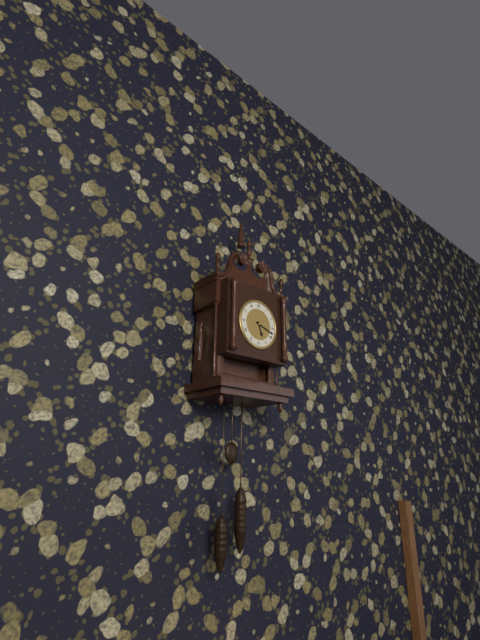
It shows h=5 m=18
